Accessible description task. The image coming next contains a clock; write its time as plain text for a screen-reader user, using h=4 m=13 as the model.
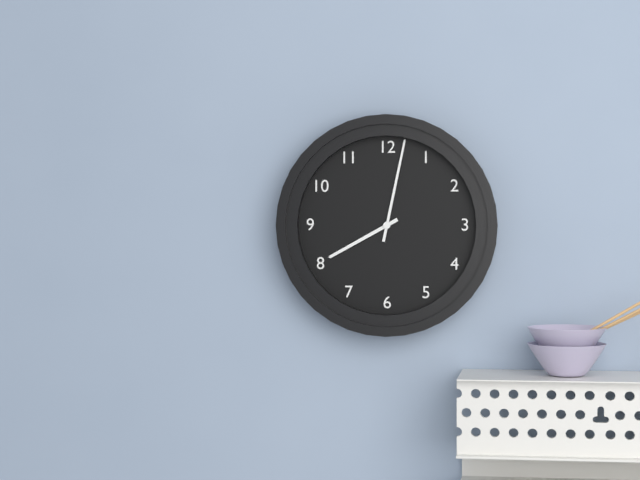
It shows h=8 m=2
